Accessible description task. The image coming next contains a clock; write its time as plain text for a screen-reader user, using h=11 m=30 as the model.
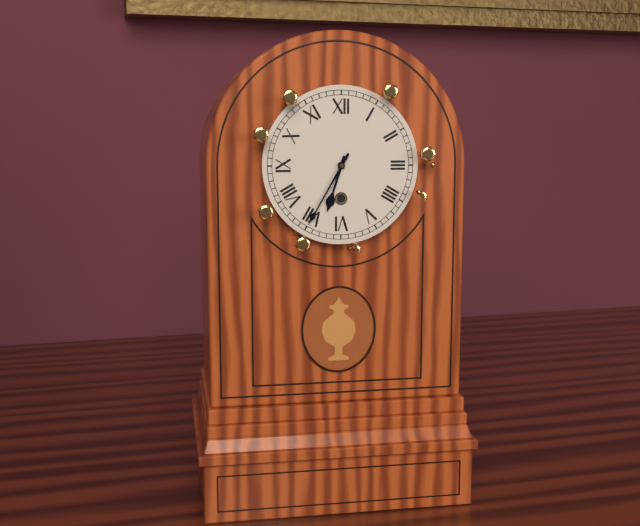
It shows h=6 m=35
